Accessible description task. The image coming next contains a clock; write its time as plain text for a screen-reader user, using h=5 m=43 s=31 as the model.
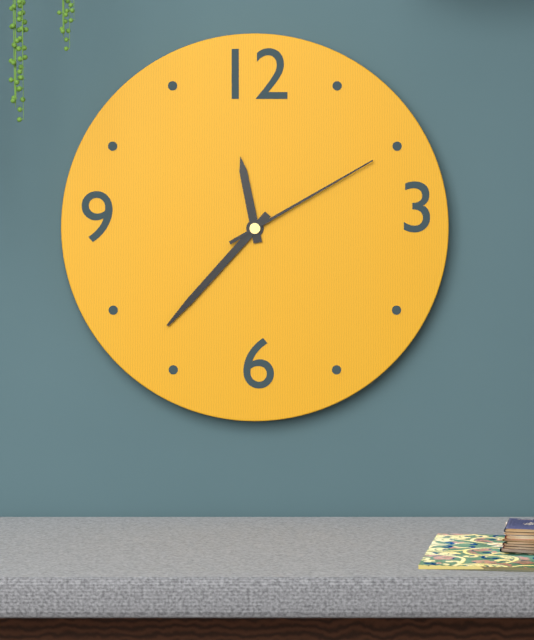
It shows h=11 m=37 s=10
